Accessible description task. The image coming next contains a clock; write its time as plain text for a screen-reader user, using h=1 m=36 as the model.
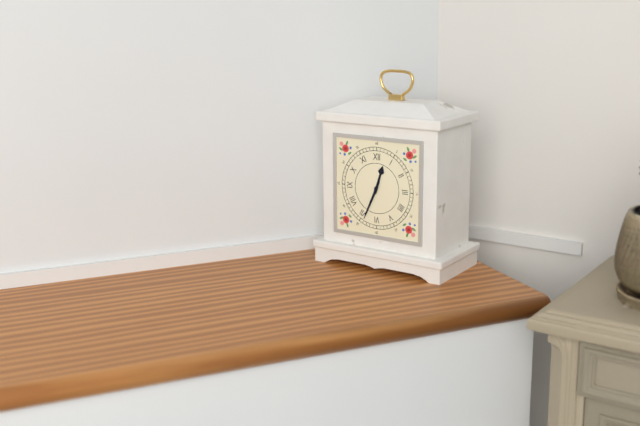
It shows h=12 m=34
